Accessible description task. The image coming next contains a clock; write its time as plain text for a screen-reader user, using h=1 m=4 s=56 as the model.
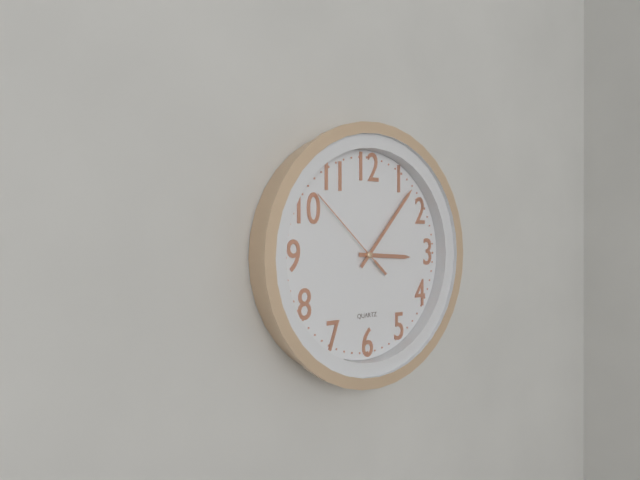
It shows h=3 m=7 s=52
